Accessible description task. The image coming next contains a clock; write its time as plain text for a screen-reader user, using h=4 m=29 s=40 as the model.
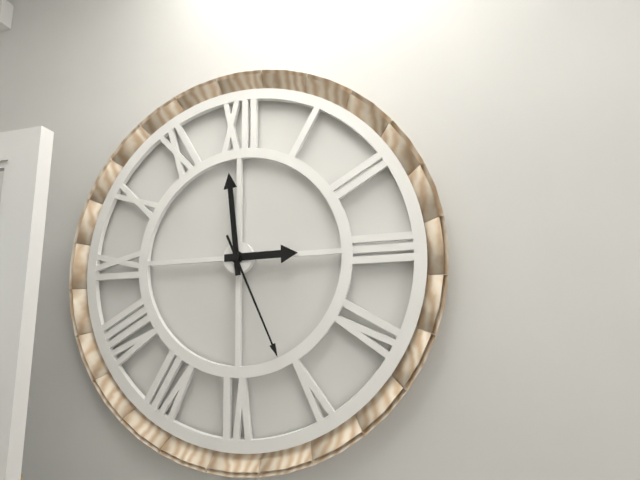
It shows h=2 m=59 s=26
